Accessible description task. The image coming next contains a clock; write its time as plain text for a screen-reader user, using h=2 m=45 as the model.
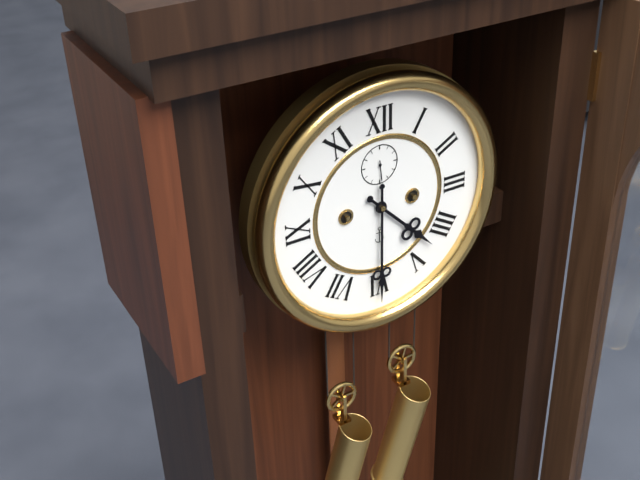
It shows h=4 m=30
